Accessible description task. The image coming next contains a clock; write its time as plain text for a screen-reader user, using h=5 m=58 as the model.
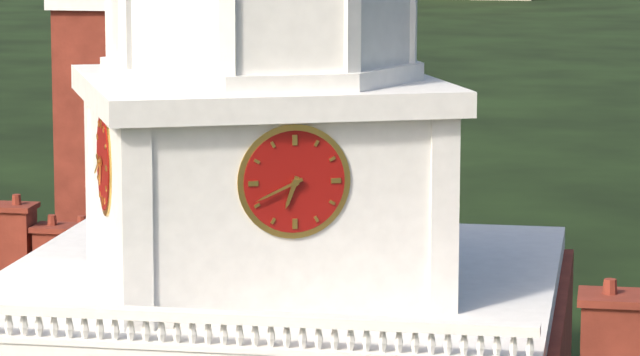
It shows h=6 m=41
